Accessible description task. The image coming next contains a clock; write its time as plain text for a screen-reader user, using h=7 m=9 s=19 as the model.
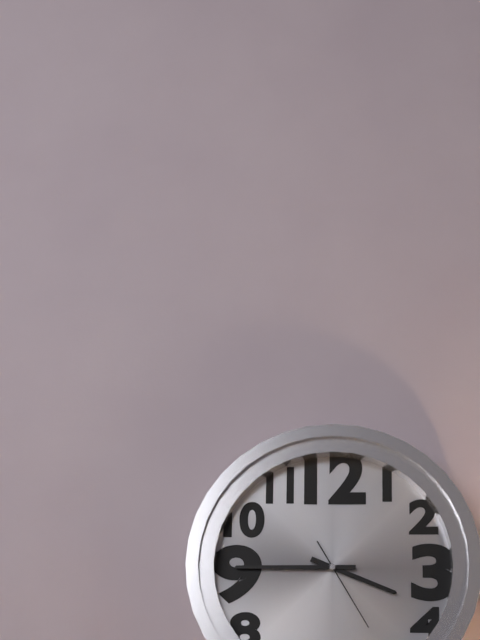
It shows h=3 m=45 s=25
